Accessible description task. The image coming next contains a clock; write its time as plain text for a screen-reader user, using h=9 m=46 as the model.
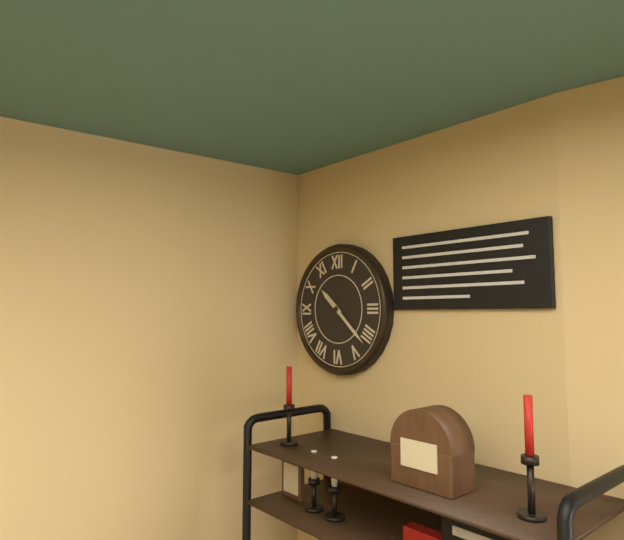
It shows h=10 m=22
